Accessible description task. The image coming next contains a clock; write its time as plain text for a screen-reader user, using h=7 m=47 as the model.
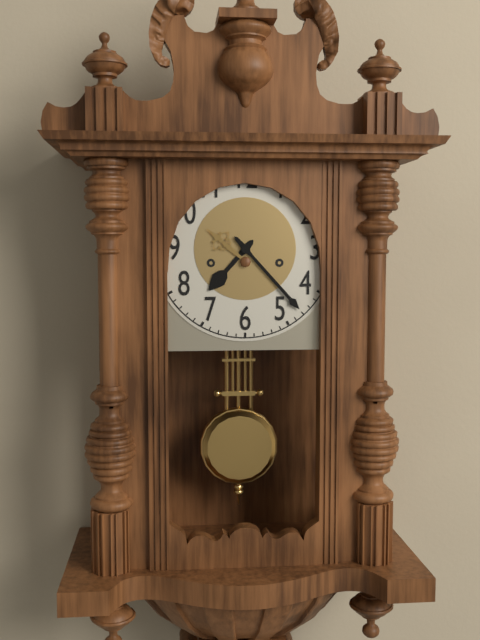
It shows h=7 m=23
